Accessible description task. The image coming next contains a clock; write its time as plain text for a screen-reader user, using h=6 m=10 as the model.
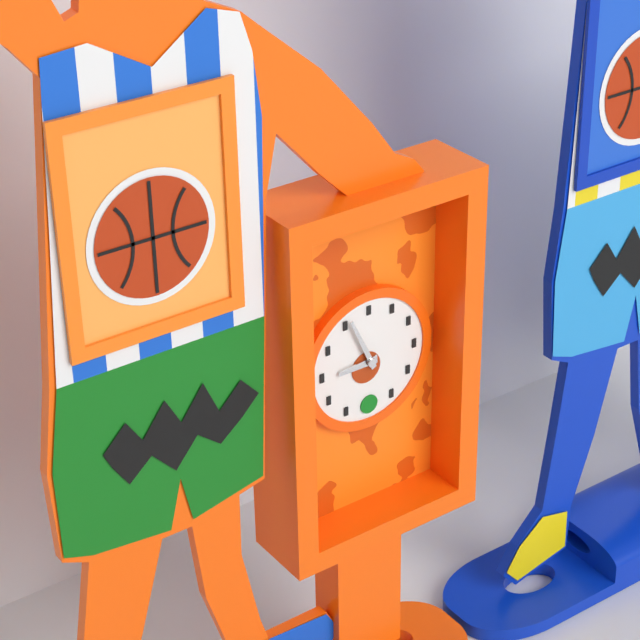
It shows h=8 m=56
